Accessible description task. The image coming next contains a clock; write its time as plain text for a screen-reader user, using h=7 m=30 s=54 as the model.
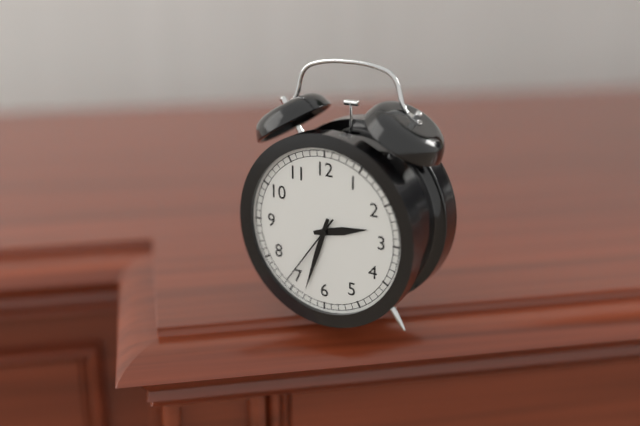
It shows h=2 m=33 s=36
